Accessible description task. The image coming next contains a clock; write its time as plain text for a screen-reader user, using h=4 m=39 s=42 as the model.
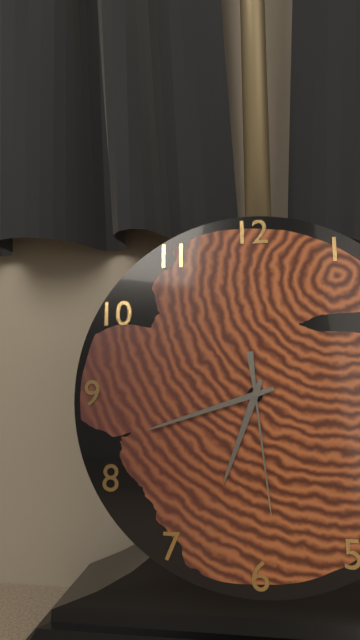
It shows h=6 m=42 s=29
